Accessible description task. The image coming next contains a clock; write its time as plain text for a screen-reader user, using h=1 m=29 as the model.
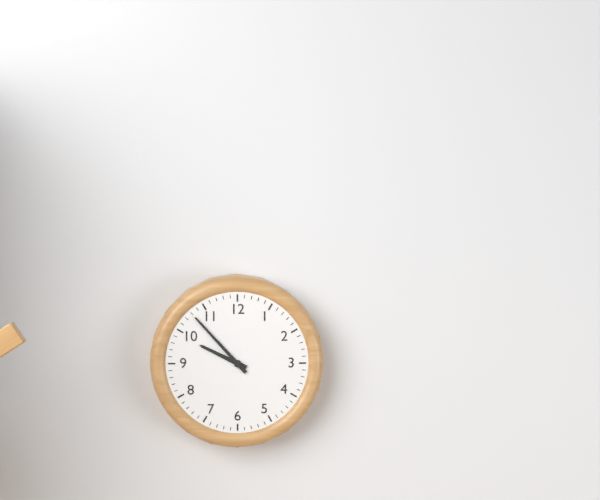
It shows h=9 m=53
